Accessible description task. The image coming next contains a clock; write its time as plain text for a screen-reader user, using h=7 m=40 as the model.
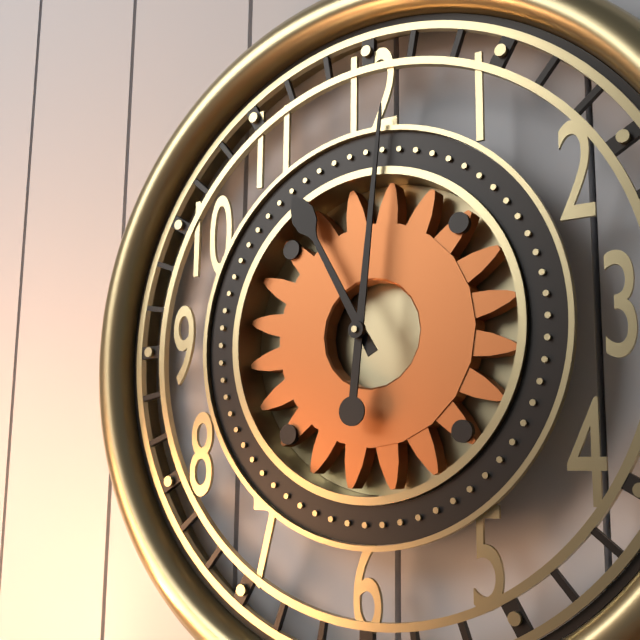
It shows h=11 m=1
